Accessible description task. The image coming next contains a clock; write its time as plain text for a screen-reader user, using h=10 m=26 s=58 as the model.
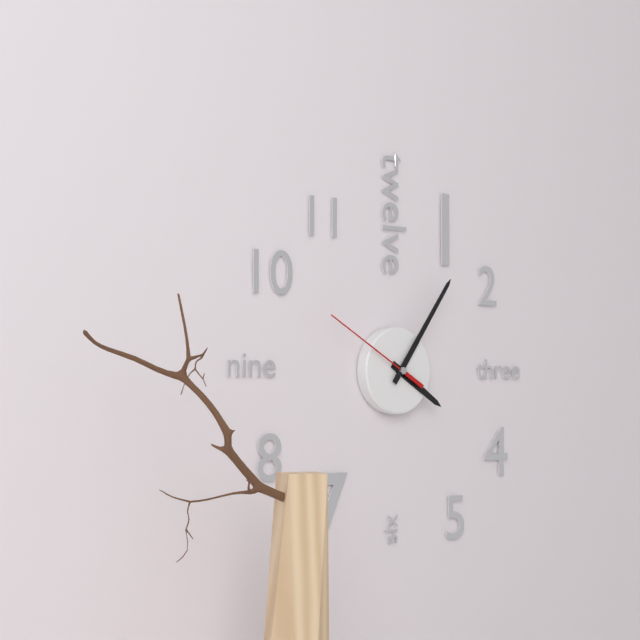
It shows h=4 m=6 s=50
